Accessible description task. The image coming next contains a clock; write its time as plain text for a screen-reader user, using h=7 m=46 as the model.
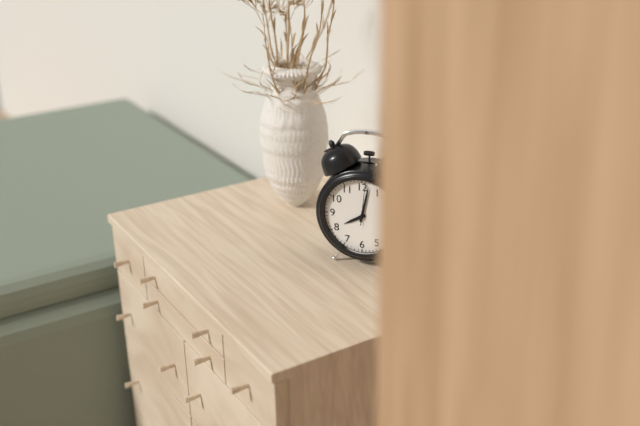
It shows h=8 m=2
